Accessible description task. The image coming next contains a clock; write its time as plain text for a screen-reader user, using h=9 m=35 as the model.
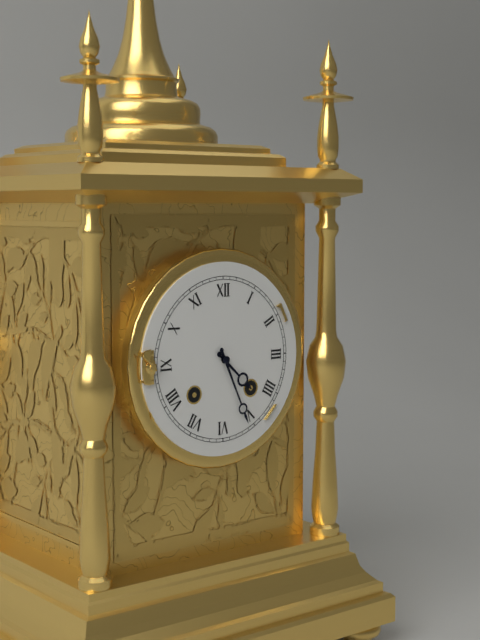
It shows h=4 m=26
